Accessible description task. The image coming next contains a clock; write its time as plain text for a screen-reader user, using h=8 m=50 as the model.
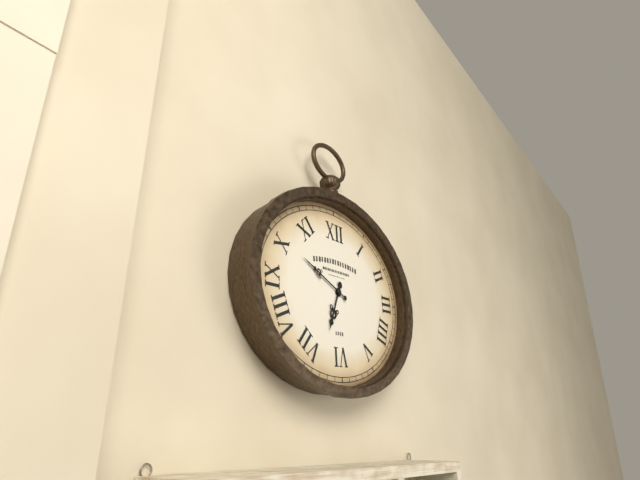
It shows h=6 m=49
